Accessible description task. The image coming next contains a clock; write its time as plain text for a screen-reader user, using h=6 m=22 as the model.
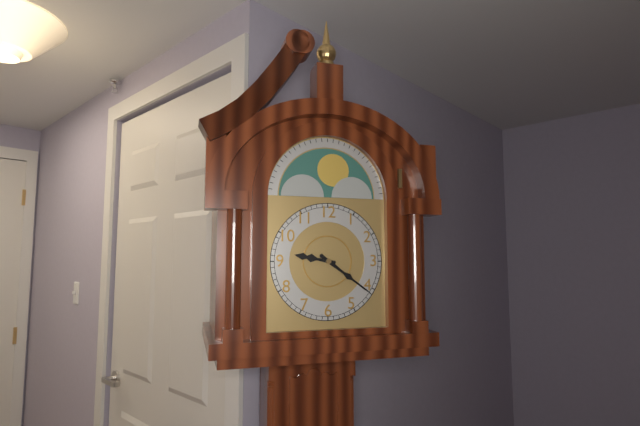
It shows h=9 m=21
